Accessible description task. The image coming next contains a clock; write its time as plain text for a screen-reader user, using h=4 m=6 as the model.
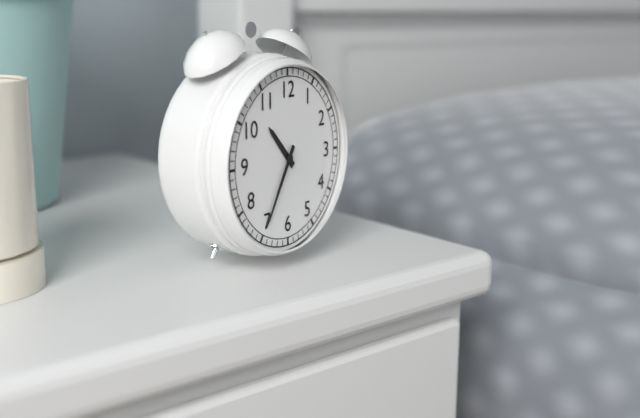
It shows h=10 m=35
